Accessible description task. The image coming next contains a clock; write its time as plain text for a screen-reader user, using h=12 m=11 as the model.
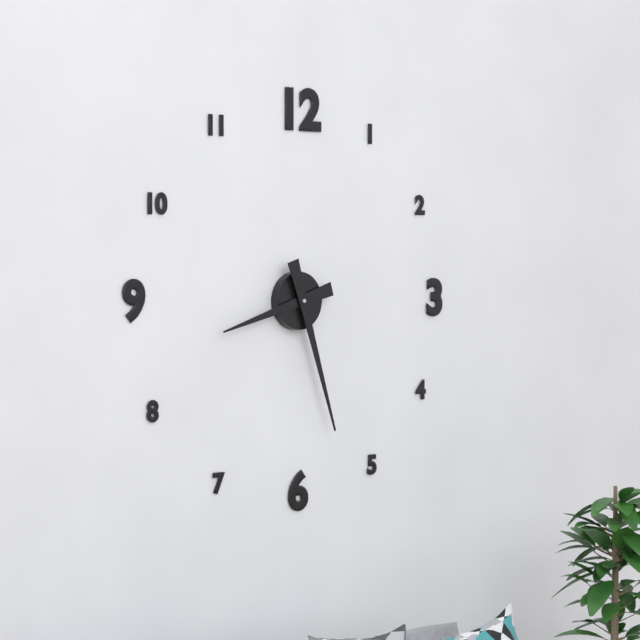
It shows h=8 m=27
